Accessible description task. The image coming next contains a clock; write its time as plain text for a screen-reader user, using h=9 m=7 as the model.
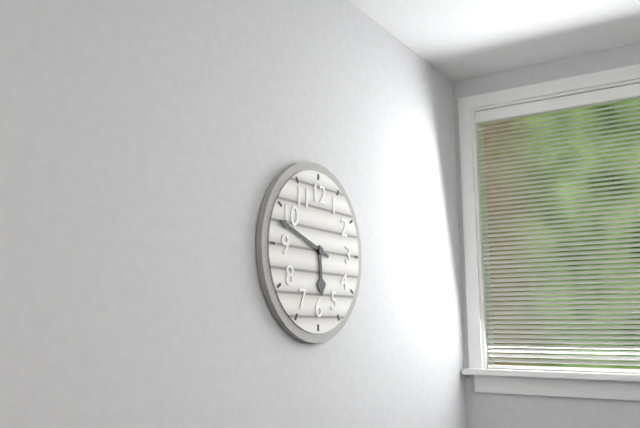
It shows h=5 m=48
